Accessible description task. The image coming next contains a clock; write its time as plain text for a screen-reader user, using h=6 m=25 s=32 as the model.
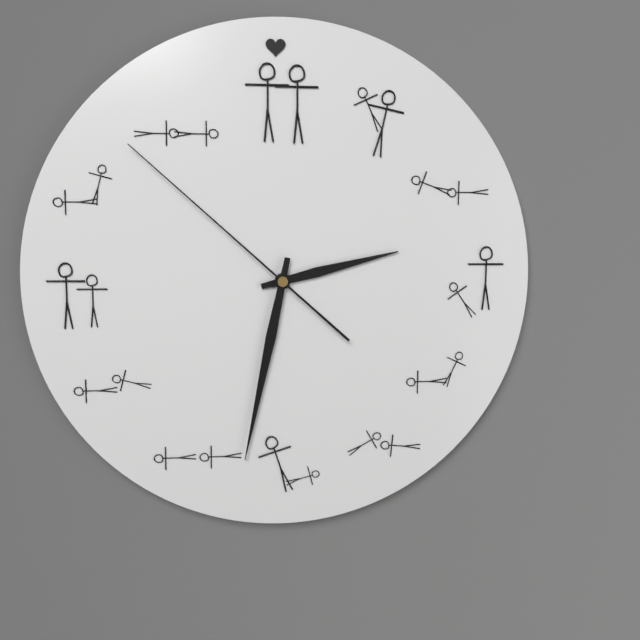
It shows h=2 m=32 s=52
